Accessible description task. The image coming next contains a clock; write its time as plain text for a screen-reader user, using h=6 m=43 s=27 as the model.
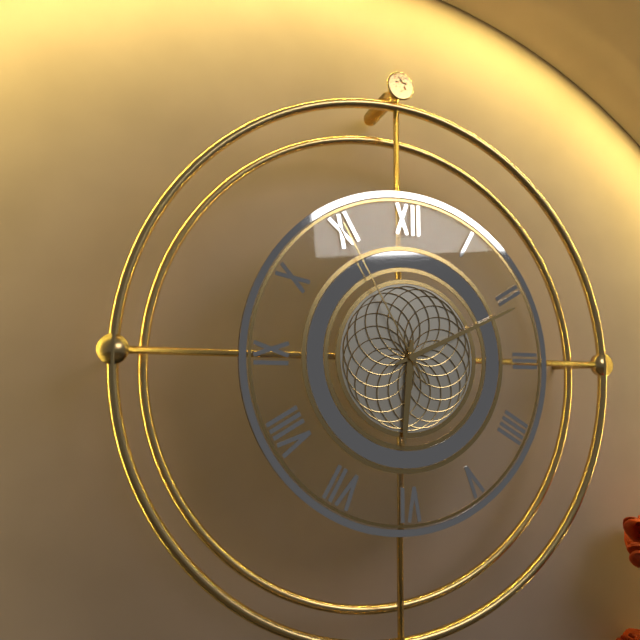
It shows h=6 m=11 s=55
